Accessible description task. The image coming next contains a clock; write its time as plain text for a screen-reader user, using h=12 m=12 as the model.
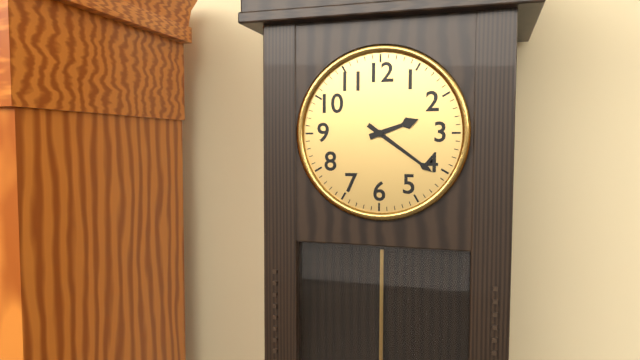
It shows h=2 m=21
